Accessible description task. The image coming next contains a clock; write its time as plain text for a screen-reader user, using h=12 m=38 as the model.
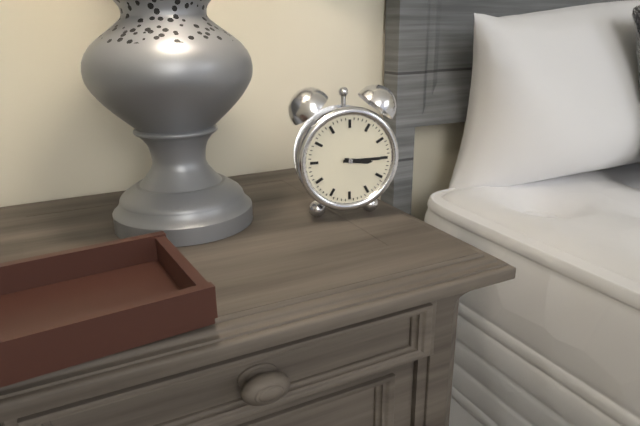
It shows h=3 m=15
